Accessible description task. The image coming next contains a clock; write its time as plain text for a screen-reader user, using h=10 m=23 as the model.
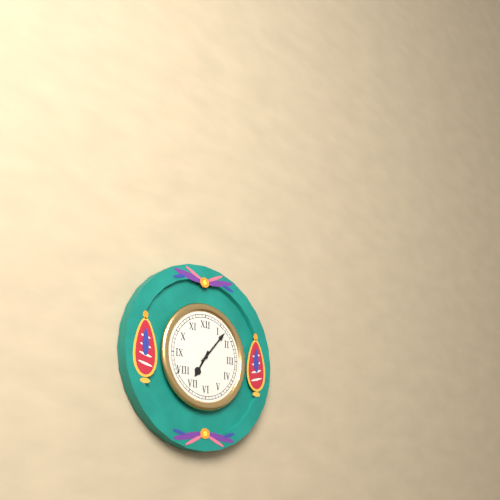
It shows h=7 m=7
